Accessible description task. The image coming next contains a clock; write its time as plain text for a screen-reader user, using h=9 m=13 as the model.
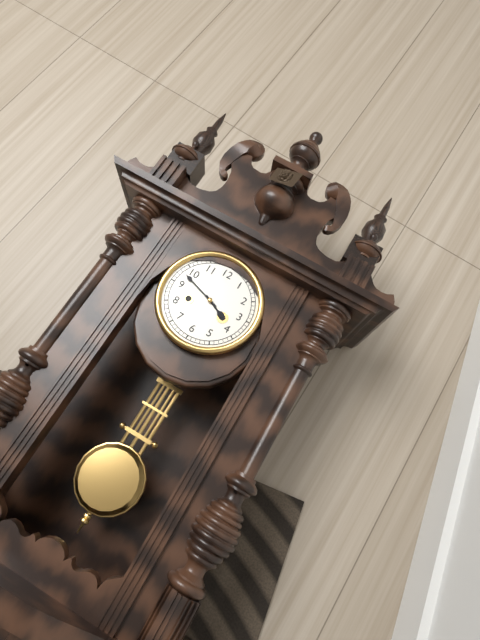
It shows h=3 m=48
